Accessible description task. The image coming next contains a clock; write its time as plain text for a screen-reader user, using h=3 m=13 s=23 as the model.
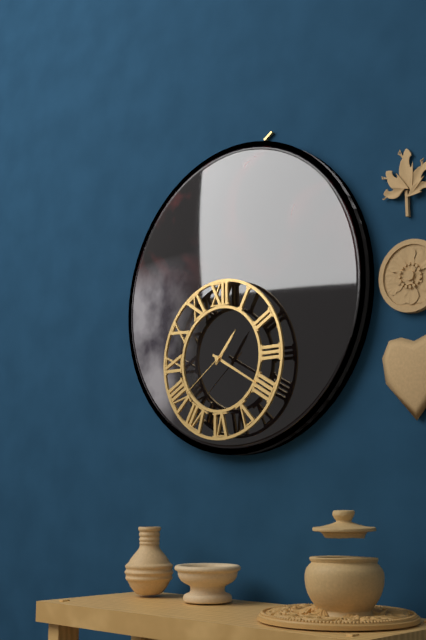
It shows h=1 m=20 s=39
